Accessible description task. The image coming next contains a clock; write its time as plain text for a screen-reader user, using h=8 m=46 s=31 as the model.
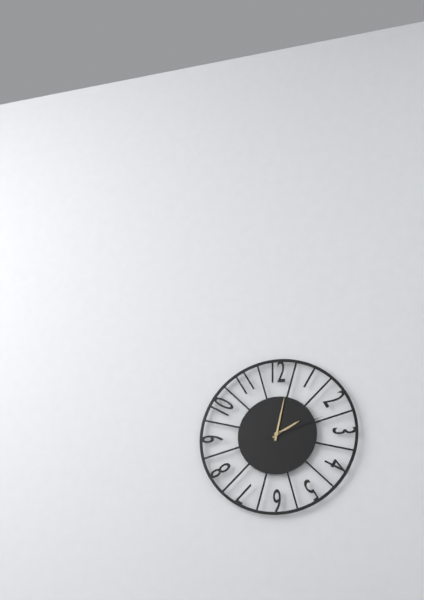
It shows h=2 m=2 s=12
